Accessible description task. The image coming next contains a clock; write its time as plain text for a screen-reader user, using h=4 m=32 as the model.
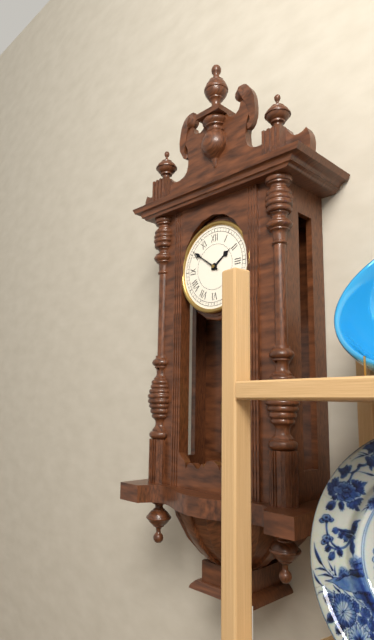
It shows h=1 m=51
